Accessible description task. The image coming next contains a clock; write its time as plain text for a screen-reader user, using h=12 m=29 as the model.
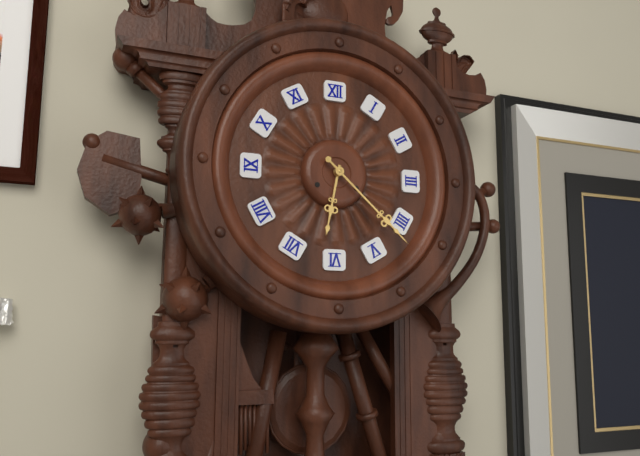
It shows h=6 m=22
